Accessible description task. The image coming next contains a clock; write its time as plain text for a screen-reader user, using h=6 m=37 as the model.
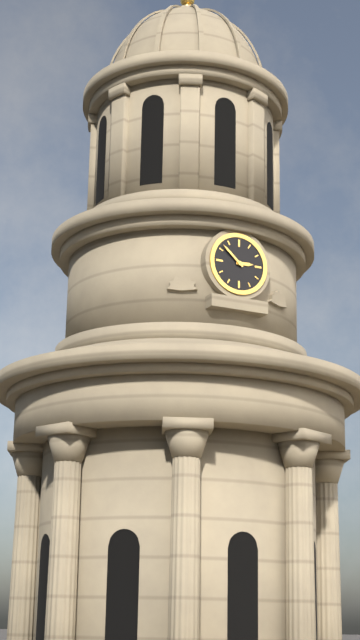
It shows h=2 m=52
